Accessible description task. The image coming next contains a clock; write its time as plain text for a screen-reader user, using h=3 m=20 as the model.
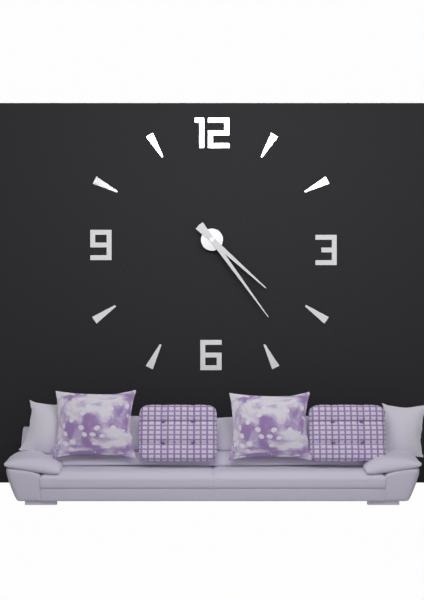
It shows h=4 m=24
